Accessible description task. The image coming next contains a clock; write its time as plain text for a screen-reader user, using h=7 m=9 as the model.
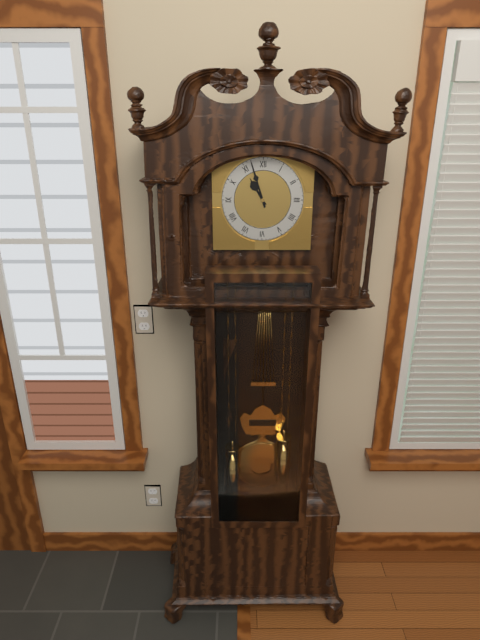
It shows h=10 m=57
